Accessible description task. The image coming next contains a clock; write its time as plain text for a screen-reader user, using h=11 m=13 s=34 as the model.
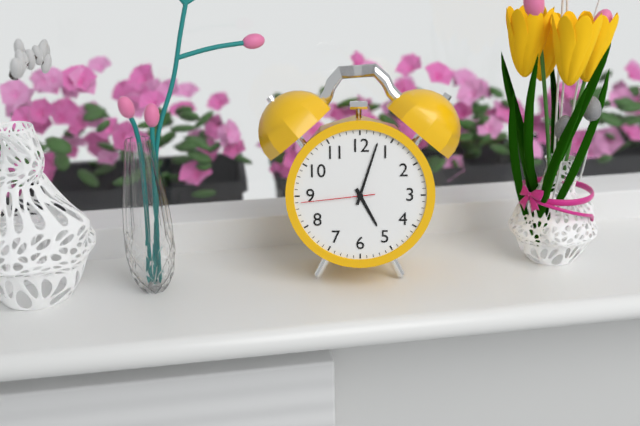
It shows h=5 m=3 s=44
